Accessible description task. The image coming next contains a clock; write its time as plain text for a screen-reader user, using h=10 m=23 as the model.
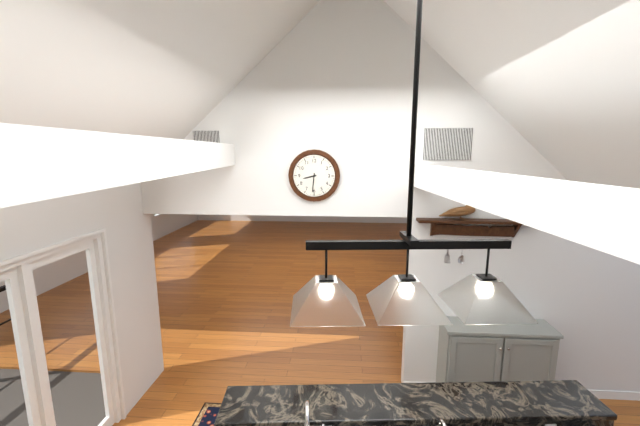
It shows h=8 m=31
